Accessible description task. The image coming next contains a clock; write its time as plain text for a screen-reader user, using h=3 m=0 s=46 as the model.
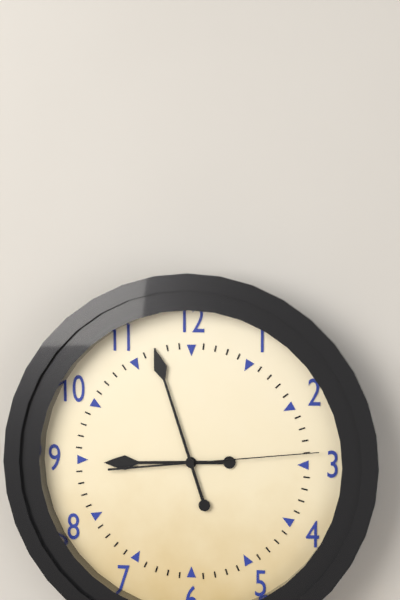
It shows h=8 m=57 s=14
